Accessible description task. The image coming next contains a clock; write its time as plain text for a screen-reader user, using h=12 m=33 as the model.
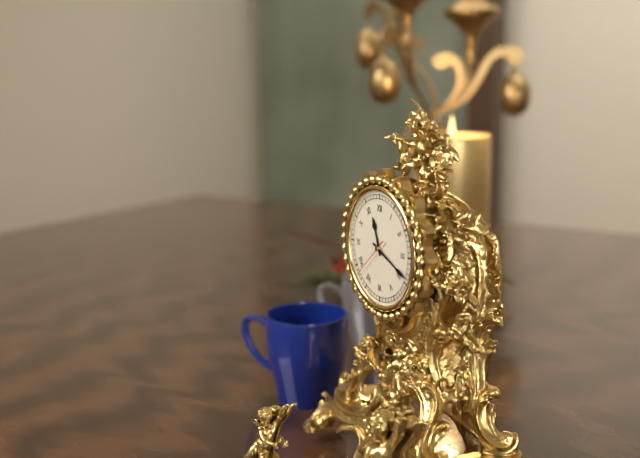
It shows h=11 m=19
